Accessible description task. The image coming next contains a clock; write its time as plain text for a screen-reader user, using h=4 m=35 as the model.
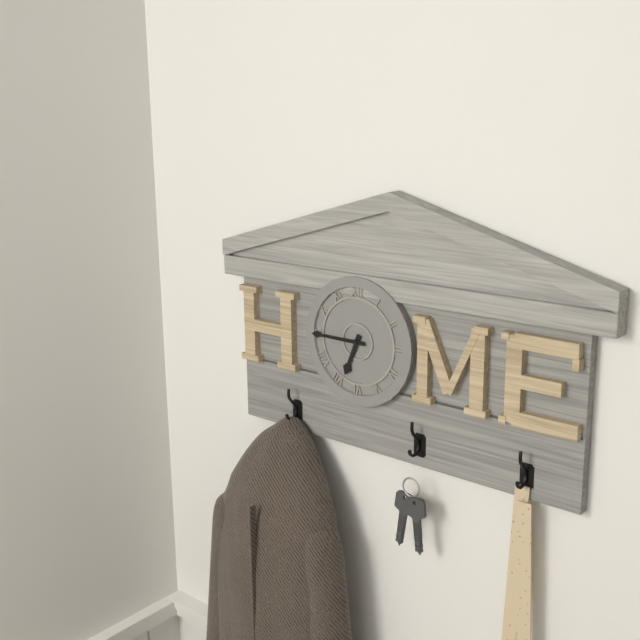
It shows h=6 m=45
